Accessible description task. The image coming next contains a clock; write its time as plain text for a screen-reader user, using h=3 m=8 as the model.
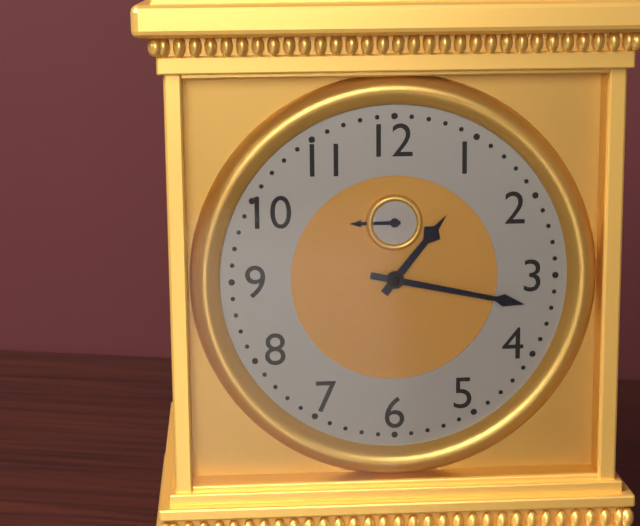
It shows h=1 m=17
